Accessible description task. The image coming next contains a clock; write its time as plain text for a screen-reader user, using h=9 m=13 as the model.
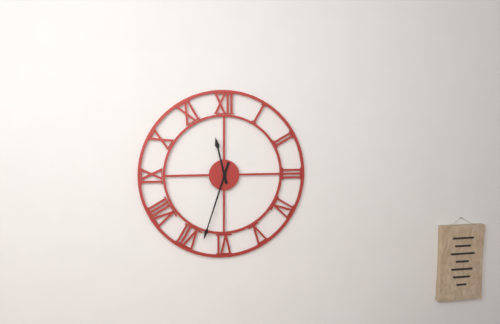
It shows h=11 m=33
